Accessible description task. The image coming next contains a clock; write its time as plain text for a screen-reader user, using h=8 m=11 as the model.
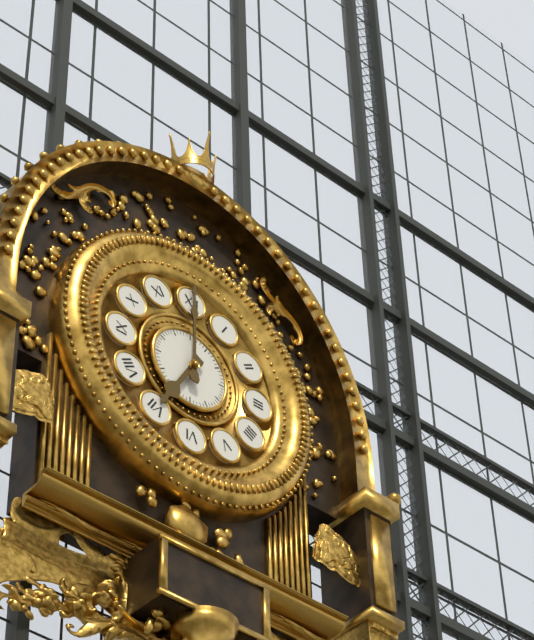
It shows h=7 m=0
